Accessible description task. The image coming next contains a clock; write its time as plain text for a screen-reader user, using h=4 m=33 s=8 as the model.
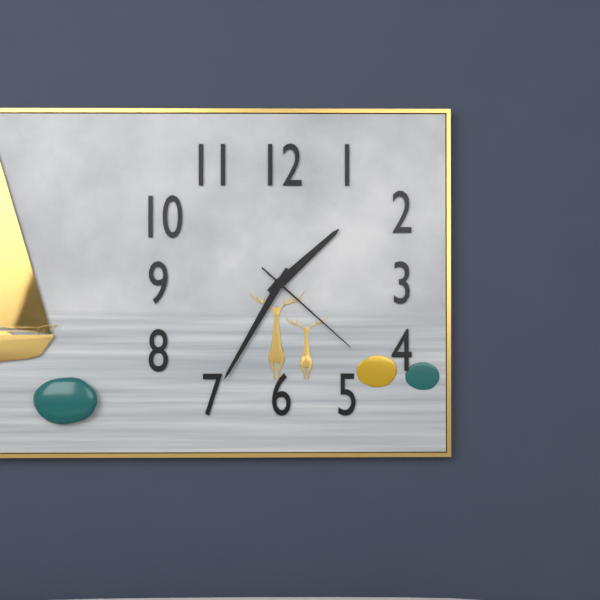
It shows h=1 m=35 s=22
